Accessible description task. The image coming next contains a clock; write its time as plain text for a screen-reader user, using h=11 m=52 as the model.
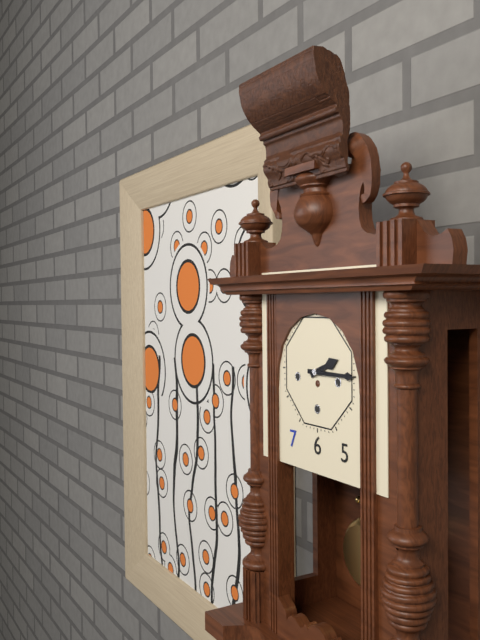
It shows h=2 m=15
